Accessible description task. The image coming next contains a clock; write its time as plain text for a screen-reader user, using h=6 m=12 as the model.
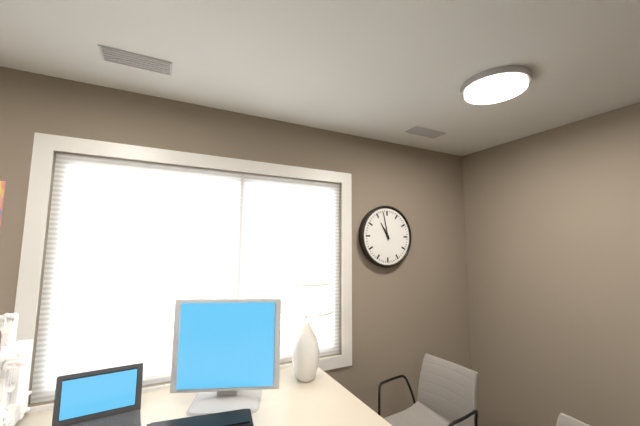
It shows h=10 m=58
